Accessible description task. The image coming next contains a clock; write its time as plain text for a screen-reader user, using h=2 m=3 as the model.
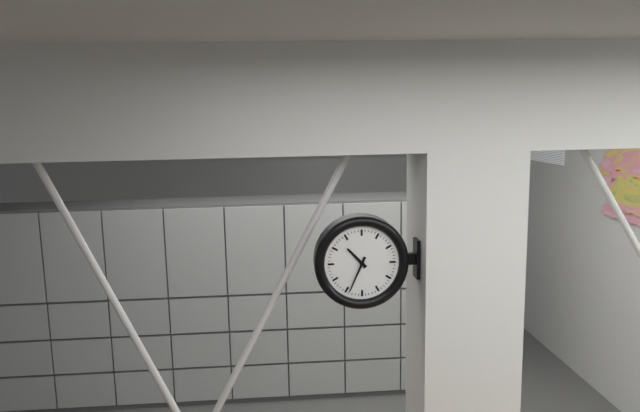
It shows h=10 m=34
